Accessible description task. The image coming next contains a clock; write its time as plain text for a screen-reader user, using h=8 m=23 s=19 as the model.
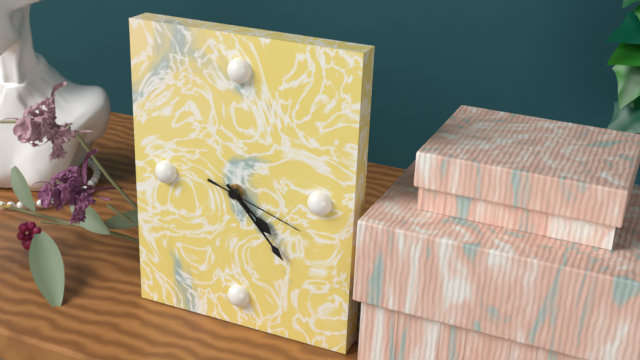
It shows h=4 m=23 s=18
